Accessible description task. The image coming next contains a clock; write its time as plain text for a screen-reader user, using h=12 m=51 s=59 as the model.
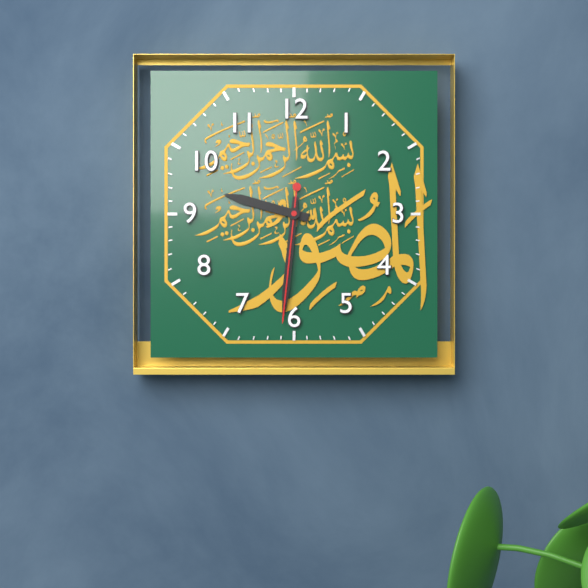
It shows h=9 m=31 s=31
